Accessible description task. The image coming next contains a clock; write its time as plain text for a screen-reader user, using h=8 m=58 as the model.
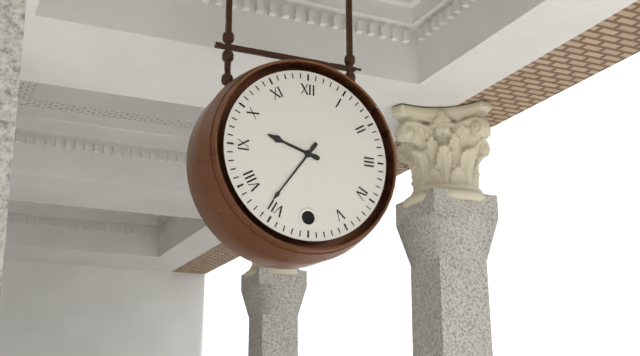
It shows h=9 m=36
